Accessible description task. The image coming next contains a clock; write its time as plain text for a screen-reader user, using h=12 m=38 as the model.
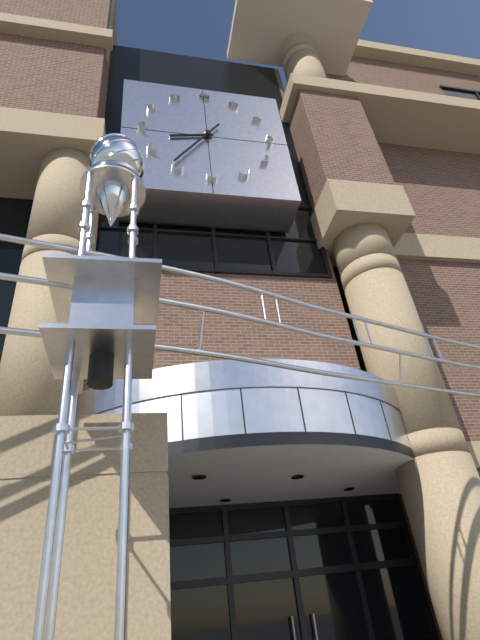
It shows h=8 m=36
